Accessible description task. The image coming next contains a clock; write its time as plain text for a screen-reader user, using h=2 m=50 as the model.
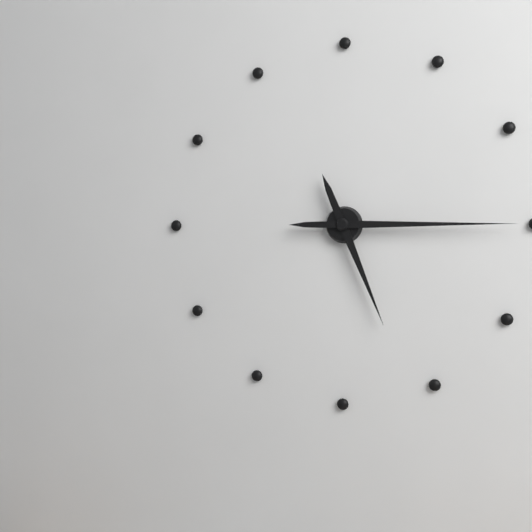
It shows h=5 m=15
